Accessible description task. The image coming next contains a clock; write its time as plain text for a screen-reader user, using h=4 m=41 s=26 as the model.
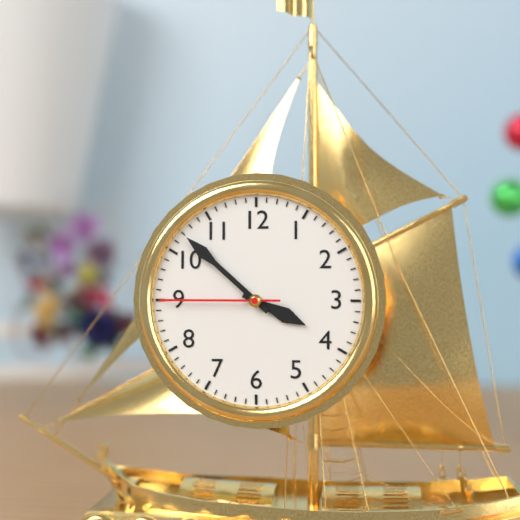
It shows h=3 m=52 s=45
